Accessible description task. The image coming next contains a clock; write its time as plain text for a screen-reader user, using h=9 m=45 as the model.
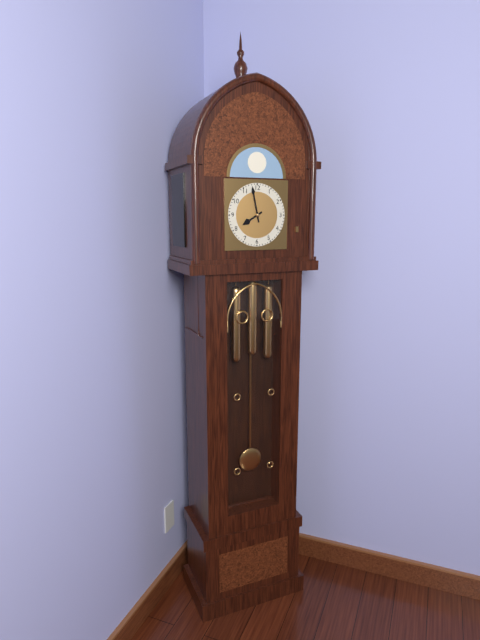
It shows h=7 m=58
